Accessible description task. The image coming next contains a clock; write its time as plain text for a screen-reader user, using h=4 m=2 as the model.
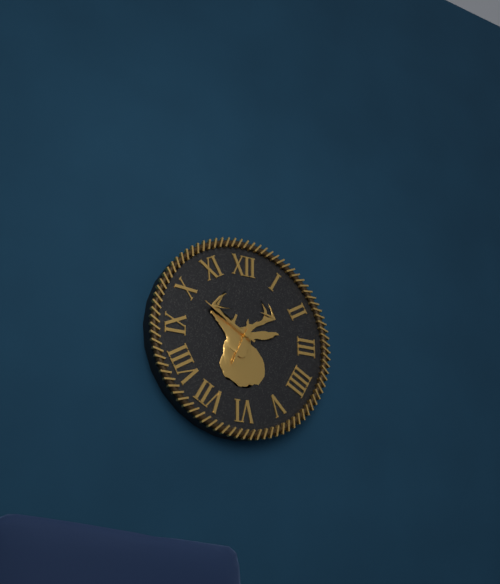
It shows h=6 m=50
